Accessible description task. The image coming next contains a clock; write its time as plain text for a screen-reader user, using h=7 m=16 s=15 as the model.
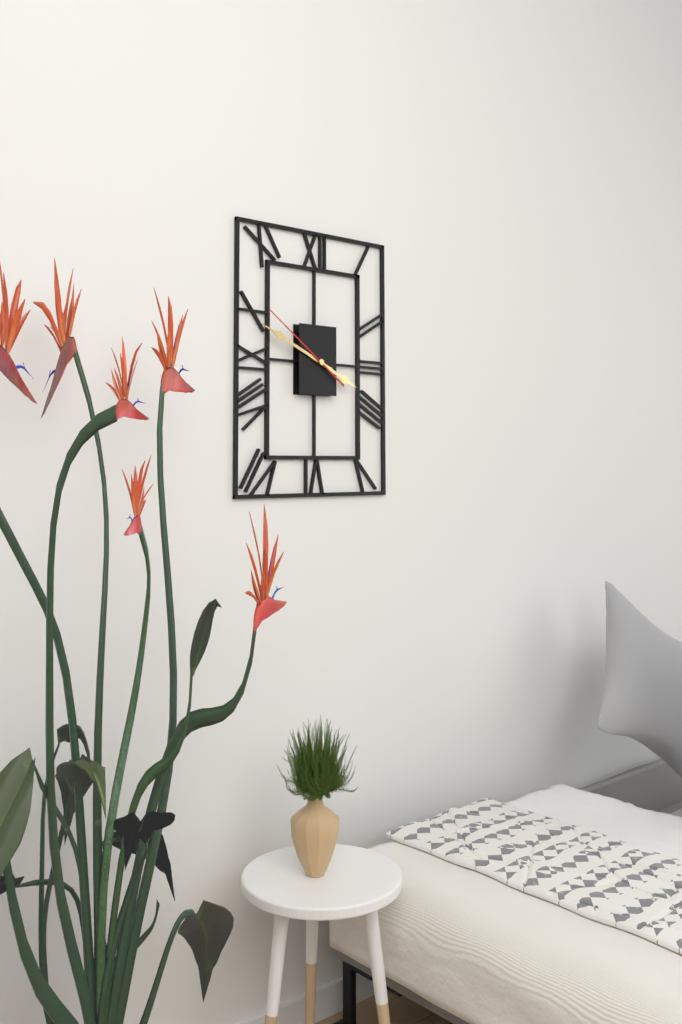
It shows h=3 m=49 s=51
